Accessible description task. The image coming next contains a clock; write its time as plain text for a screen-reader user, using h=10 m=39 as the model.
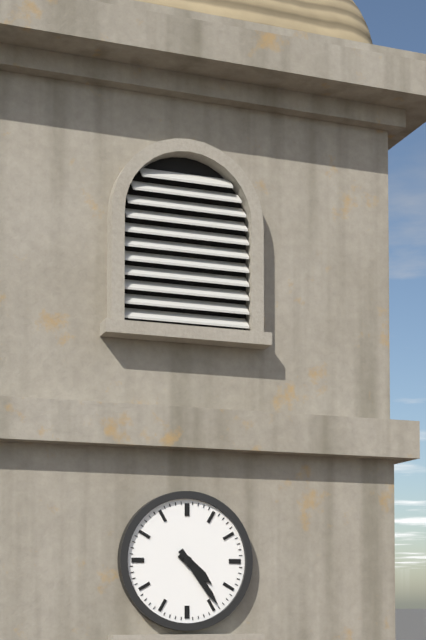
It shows h=4 m=24
